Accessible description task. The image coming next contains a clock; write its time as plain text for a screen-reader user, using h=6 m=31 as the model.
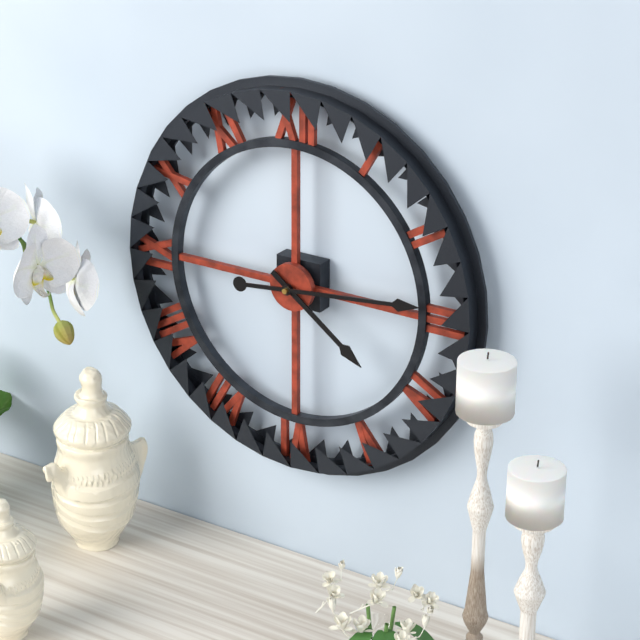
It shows h=4 m=14
